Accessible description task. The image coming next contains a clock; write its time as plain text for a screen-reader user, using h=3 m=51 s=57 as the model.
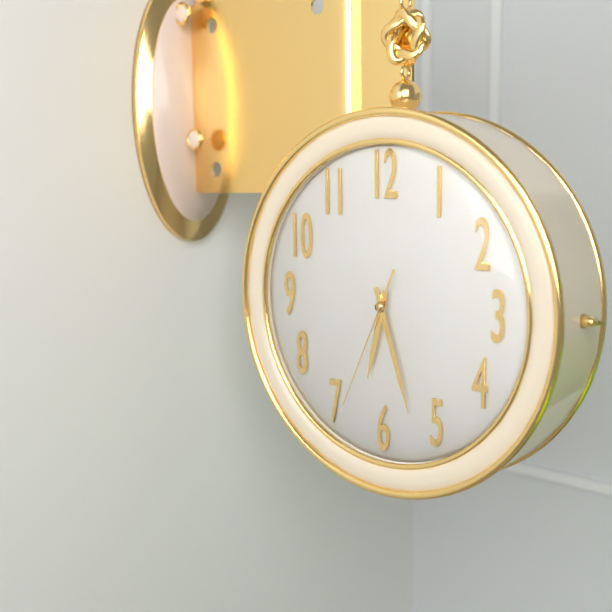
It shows h=6 m=27 s=34
